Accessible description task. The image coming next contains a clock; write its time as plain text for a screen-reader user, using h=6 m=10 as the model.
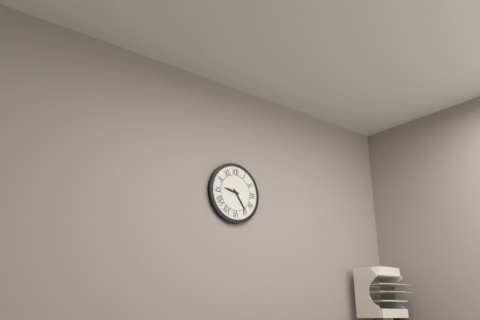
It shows h=9 m=24
